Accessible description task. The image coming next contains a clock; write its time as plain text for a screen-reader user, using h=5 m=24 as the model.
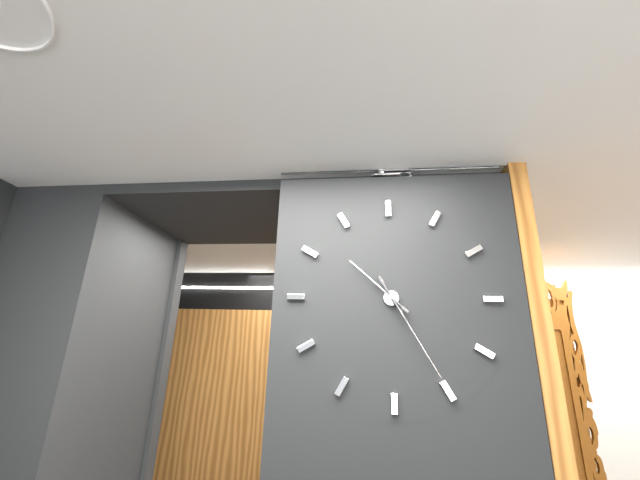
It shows h=10 m=25
